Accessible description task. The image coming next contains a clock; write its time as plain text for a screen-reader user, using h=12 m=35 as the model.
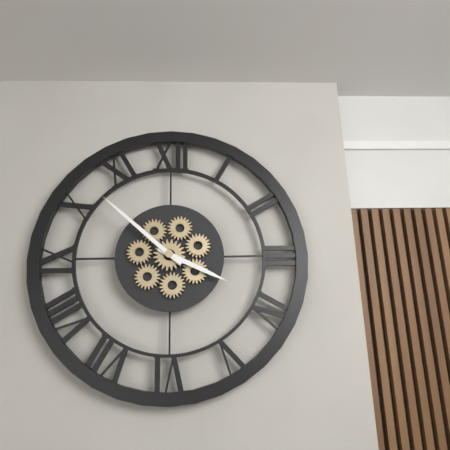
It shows h=3 m=52
